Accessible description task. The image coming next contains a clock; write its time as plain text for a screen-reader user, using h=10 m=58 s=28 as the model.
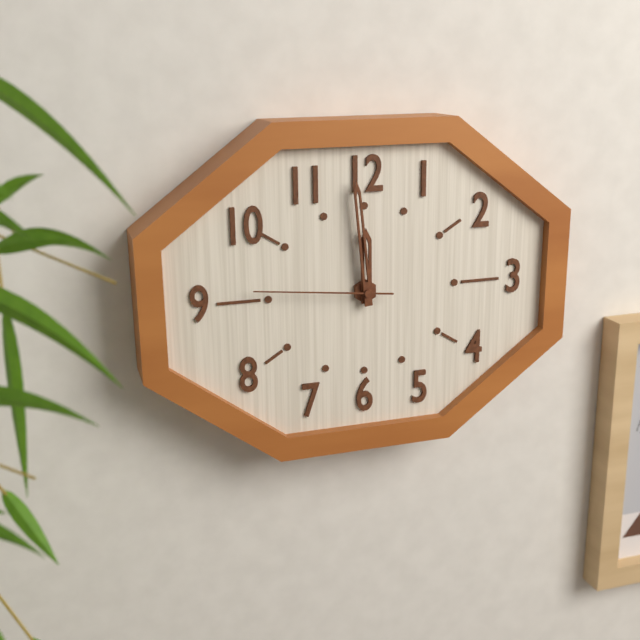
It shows h=11 m=59 s=46
